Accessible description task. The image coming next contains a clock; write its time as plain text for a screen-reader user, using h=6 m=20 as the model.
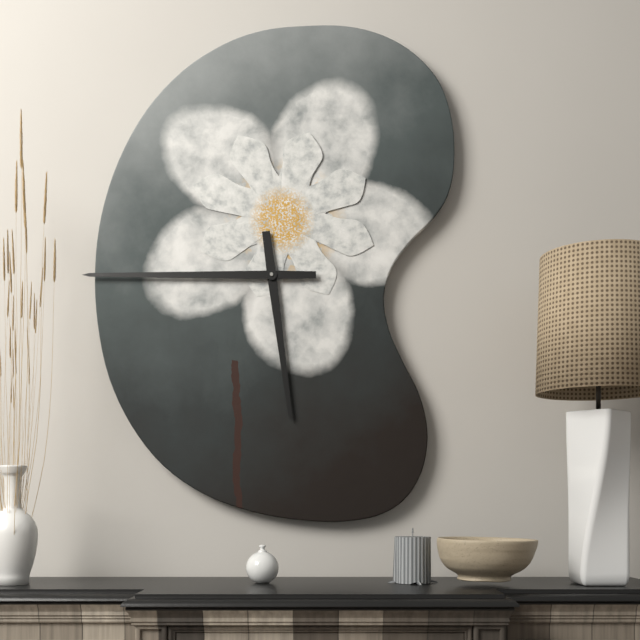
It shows h=5 m=45
